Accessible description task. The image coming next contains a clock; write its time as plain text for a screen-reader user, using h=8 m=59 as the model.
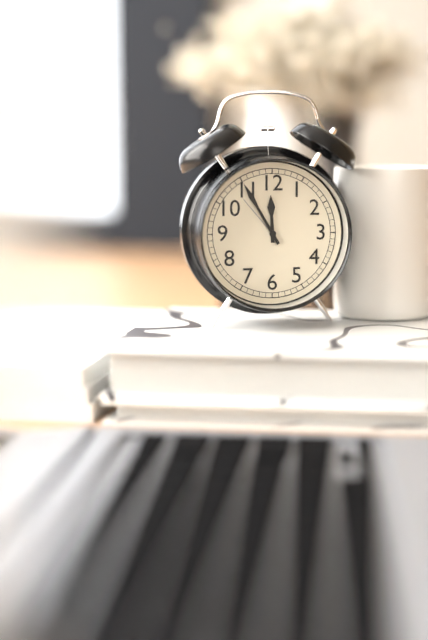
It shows h=11 m=55
